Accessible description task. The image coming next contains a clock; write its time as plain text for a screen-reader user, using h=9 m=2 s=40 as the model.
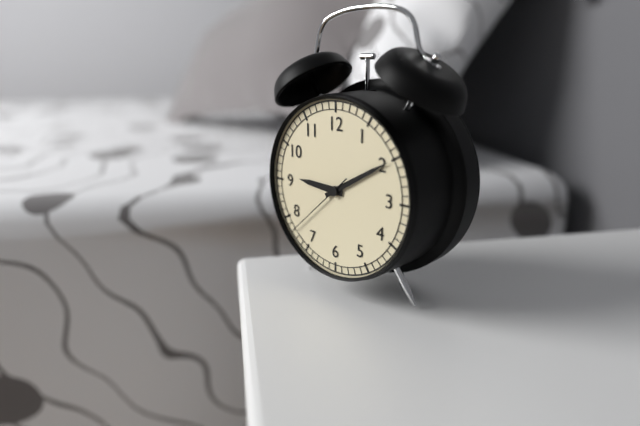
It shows h=9 m=10 s=38
